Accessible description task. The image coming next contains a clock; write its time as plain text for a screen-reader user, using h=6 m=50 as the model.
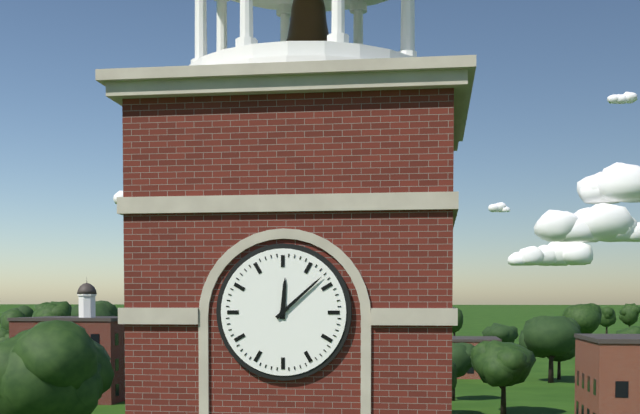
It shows h=12 m=8
